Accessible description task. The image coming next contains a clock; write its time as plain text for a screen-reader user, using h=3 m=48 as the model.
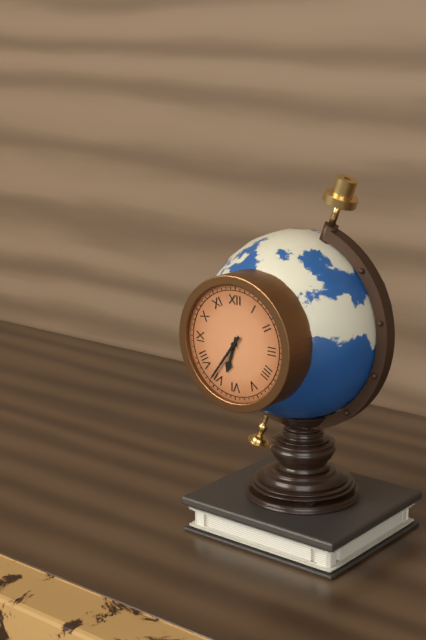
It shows h=6 m=36
